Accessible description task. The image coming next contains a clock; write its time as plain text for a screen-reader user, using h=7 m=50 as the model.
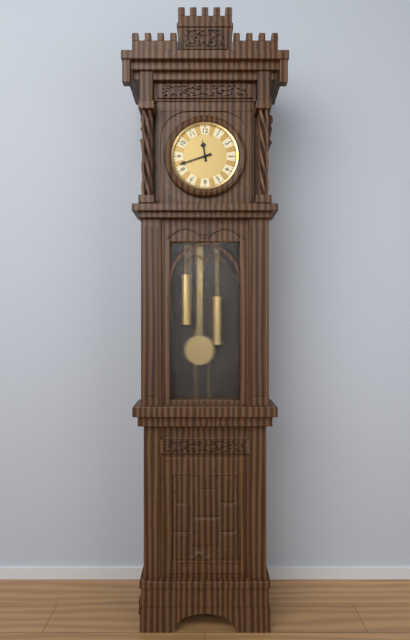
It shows h=11 m=42
